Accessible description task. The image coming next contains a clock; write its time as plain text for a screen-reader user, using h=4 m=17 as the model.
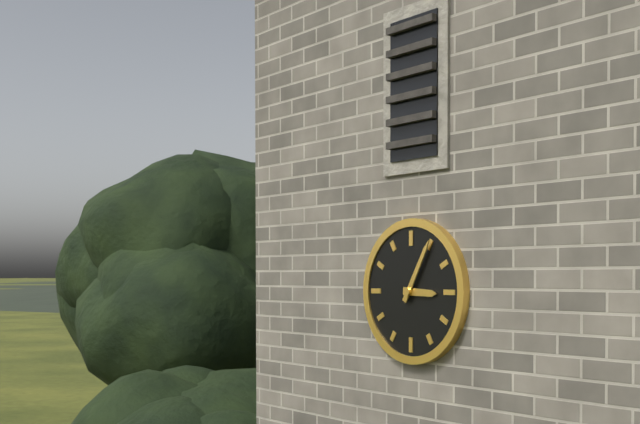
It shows h=3 m=5
